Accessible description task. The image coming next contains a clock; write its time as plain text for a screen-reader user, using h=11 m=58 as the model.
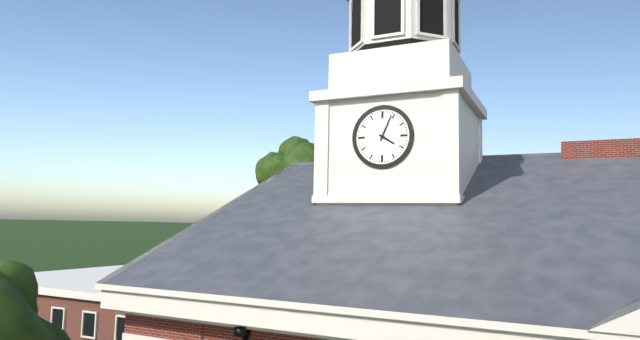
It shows h=4 m=4
